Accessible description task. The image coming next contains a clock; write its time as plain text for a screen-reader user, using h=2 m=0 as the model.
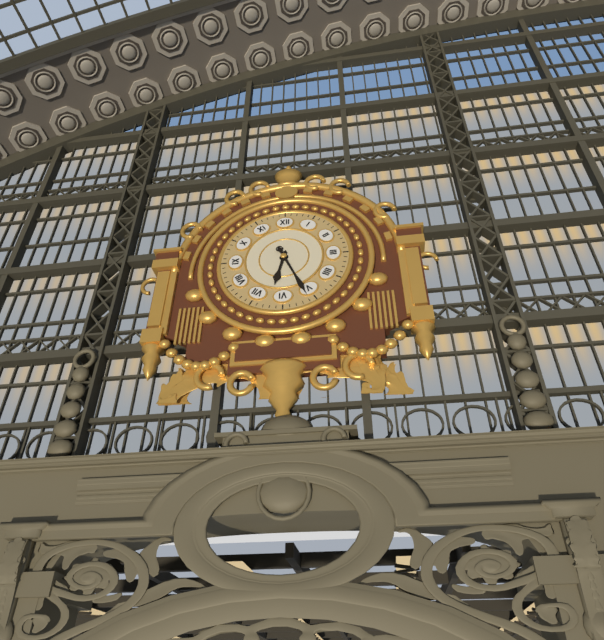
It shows h=6 m=26
